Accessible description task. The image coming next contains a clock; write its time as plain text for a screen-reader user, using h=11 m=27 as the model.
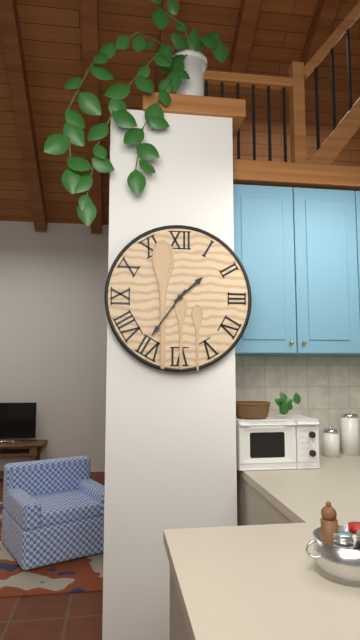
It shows h=1 m=36
